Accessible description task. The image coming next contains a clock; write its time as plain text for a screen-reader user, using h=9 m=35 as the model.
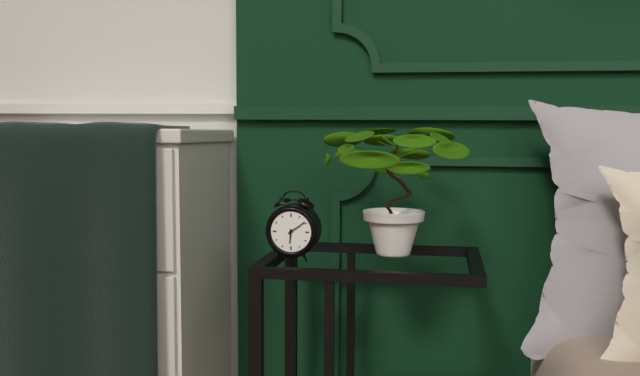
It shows h=6 m=9
